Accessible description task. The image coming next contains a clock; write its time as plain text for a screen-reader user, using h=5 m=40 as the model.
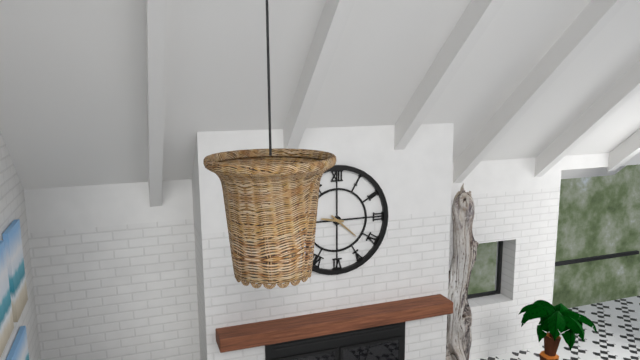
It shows h=9 m=22
